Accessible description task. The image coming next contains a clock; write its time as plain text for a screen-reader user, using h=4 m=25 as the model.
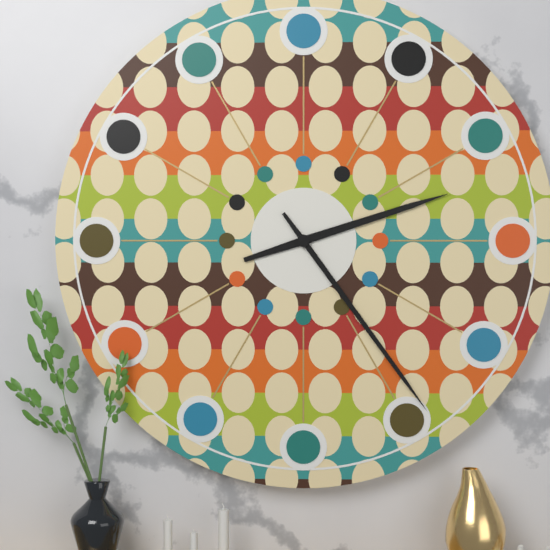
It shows h=2 m=24
